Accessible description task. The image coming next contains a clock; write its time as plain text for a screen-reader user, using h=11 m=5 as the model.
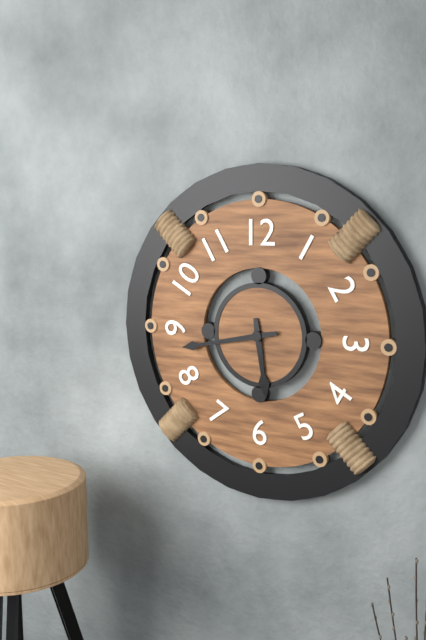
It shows h=5 m=43
